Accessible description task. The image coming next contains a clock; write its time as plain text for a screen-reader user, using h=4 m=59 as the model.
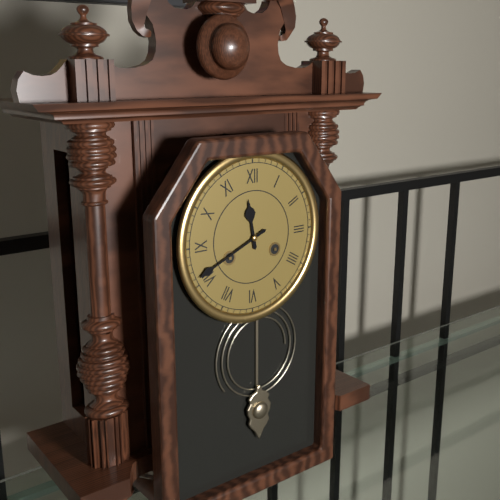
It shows h=11 m=41
